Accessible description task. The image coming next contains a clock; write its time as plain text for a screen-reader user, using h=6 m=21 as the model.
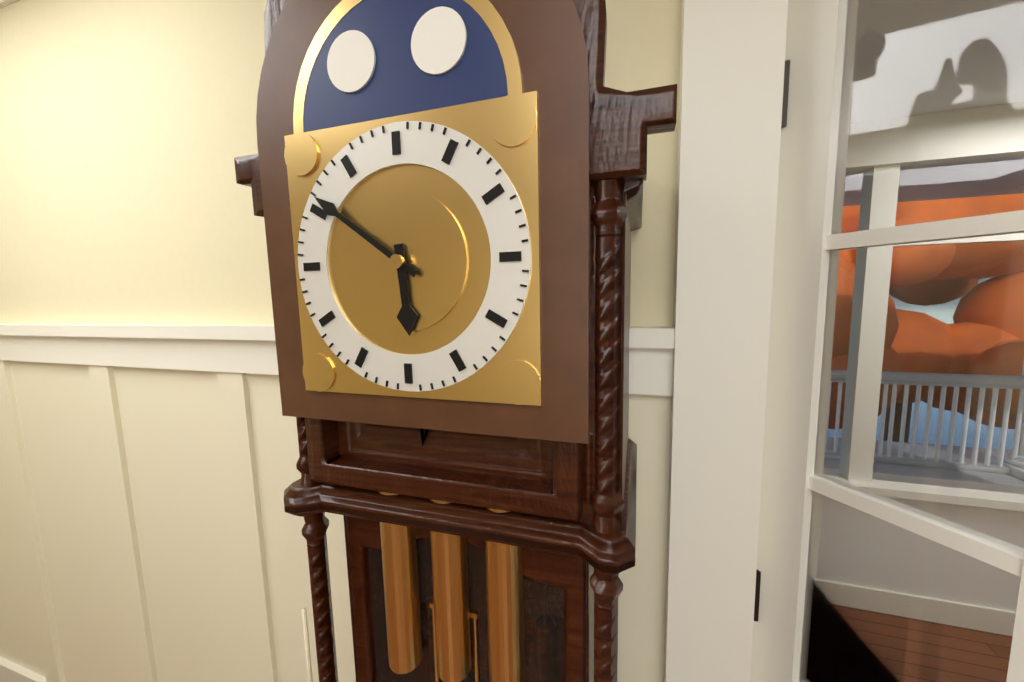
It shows h=5 m=51
